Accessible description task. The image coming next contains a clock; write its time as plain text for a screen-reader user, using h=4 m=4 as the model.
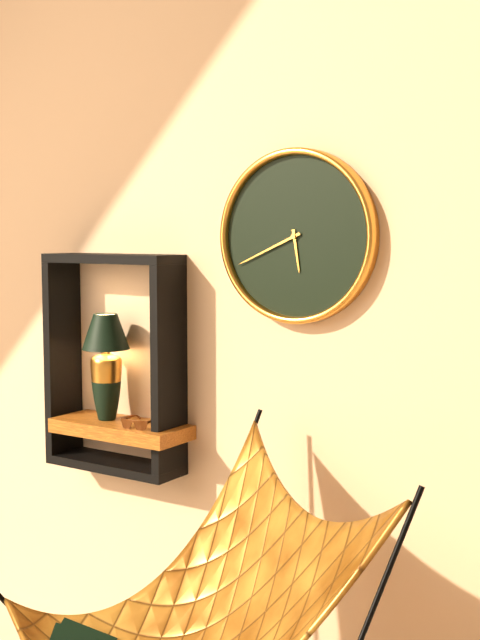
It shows h=5 m=41
